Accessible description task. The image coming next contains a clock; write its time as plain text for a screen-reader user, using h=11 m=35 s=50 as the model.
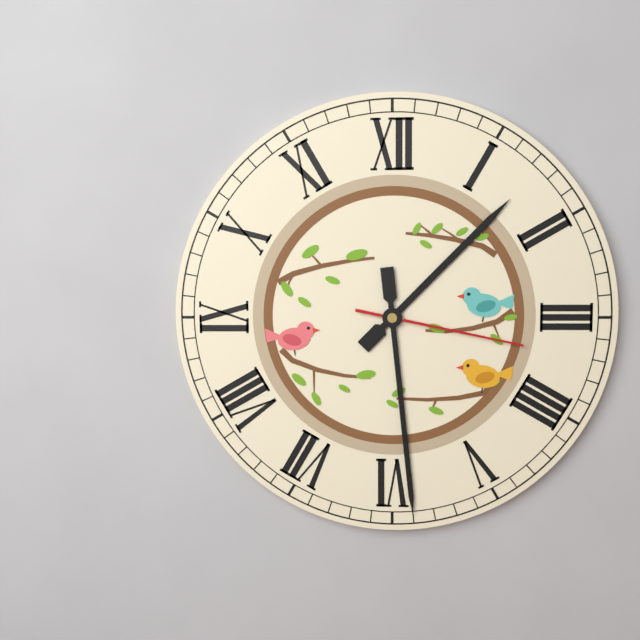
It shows h=1 m=29 s=17
